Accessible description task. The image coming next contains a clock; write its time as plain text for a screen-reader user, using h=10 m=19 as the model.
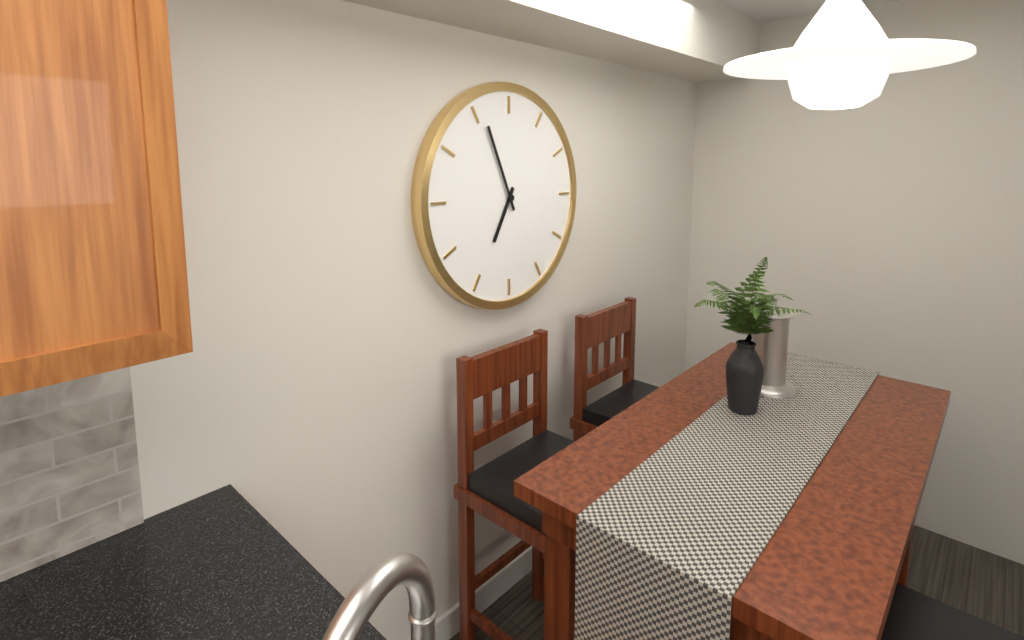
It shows h=6 m=56
